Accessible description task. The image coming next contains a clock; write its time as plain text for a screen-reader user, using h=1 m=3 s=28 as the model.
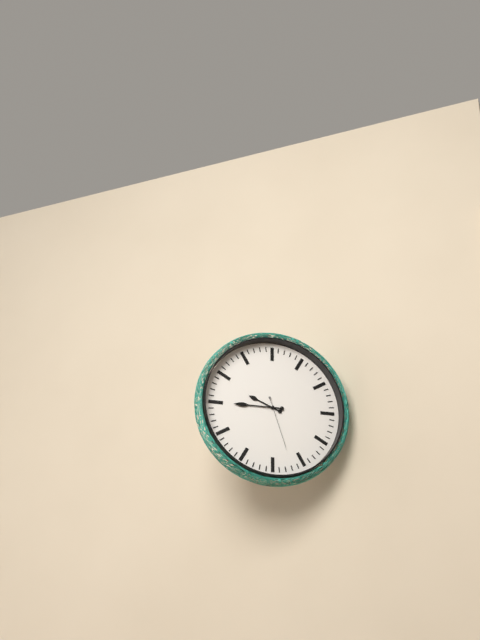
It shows h=9 m=45 s=27
